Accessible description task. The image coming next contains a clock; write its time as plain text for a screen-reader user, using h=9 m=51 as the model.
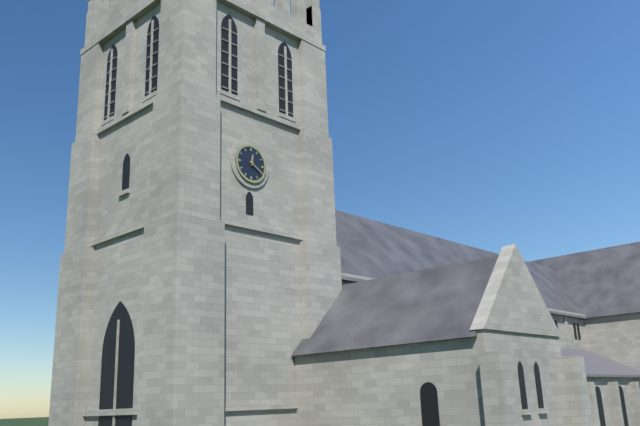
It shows h=12 m=20
